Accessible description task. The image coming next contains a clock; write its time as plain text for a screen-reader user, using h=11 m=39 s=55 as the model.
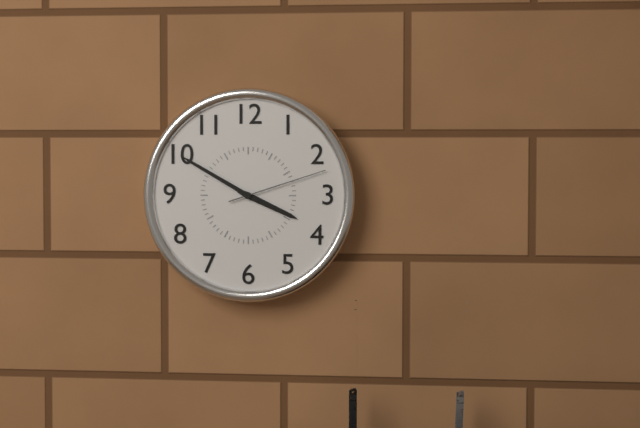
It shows h=3 m=50 s=12
